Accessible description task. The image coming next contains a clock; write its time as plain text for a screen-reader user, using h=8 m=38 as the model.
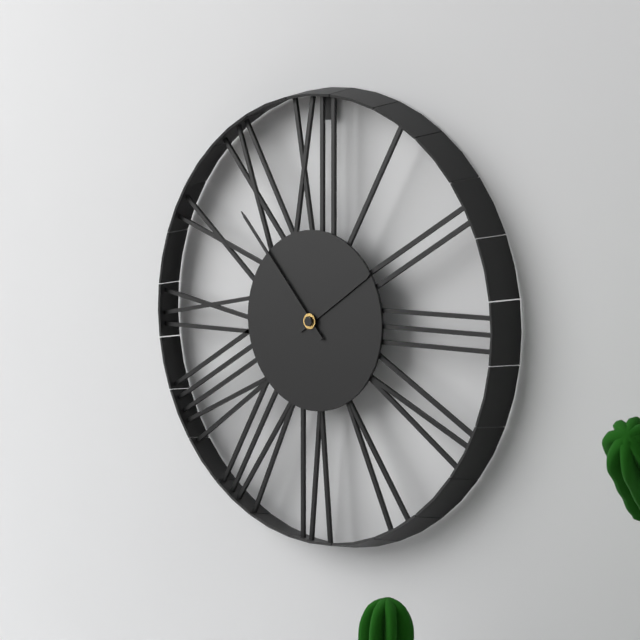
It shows h=1 m=53
